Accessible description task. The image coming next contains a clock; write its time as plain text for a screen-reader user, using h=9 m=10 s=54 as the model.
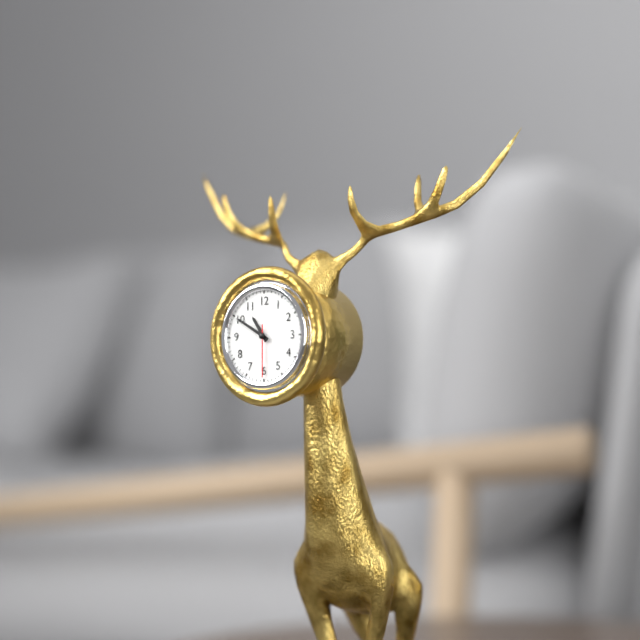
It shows h=10 m=50 s=30
